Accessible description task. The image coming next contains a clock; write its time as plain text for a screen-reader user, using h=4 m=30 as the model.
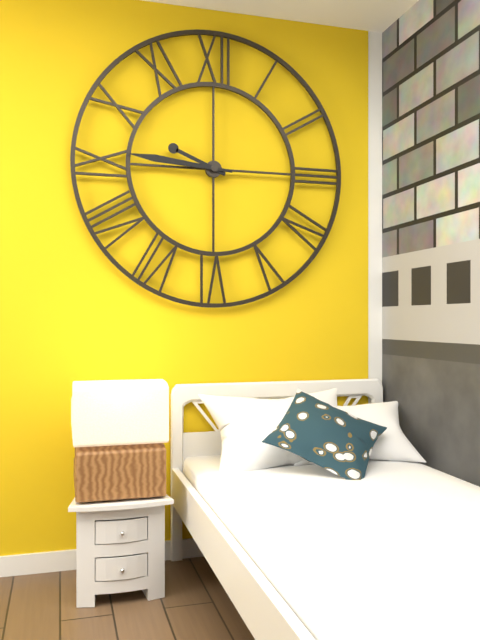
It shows h=9 m=46
